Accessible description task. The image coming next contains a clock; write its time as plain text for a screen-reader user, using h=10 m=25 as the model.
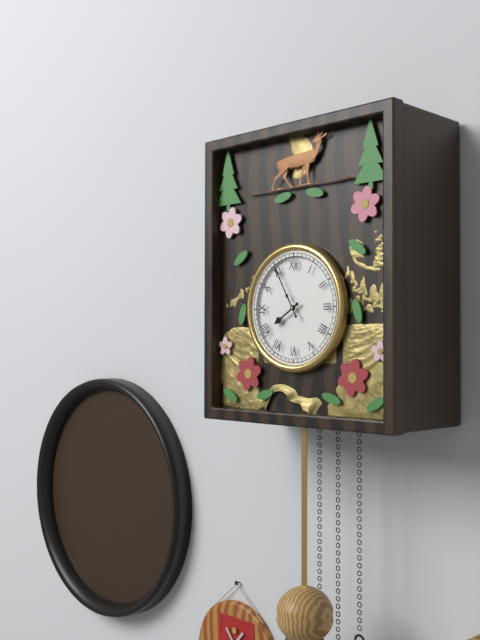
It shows h=7 m=55
